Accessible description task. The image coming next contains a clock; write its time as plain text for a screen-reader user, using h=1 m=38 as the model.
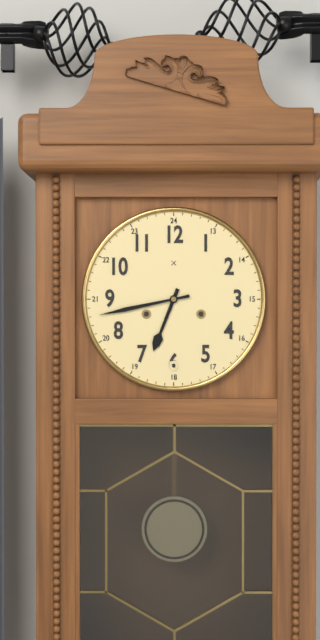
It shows h=6 m=43
